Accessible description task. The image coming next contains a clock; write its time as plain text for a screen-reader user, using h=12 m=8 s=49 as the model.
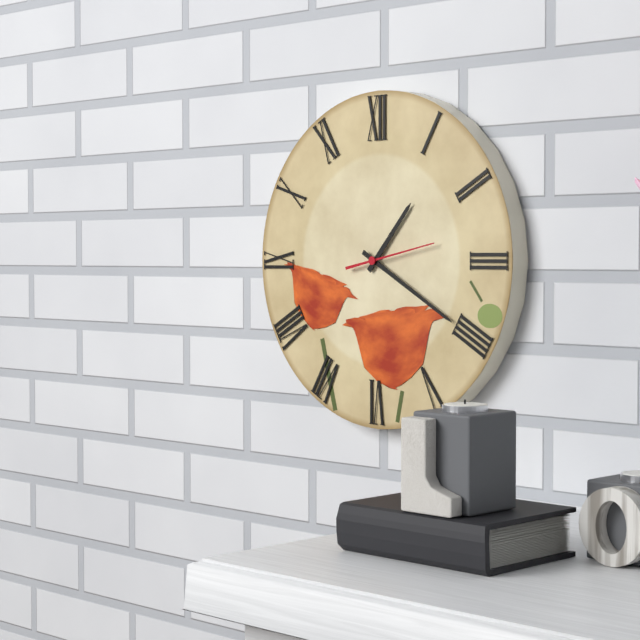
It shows h=1 m=20 s=13
